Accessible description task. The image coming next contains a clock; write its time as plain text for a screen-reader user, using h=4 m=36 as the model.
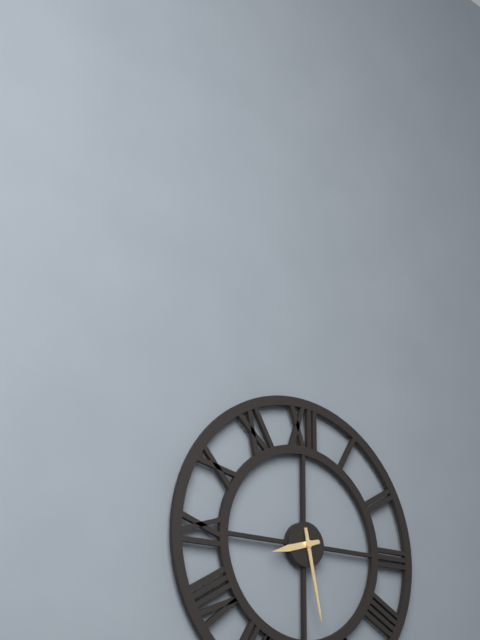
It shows h=8 m=28
